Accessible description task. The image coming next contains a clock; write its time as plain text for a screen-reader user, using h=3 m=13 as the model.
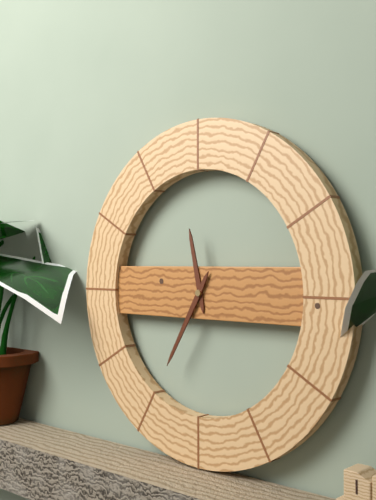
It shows h=11 m=35
